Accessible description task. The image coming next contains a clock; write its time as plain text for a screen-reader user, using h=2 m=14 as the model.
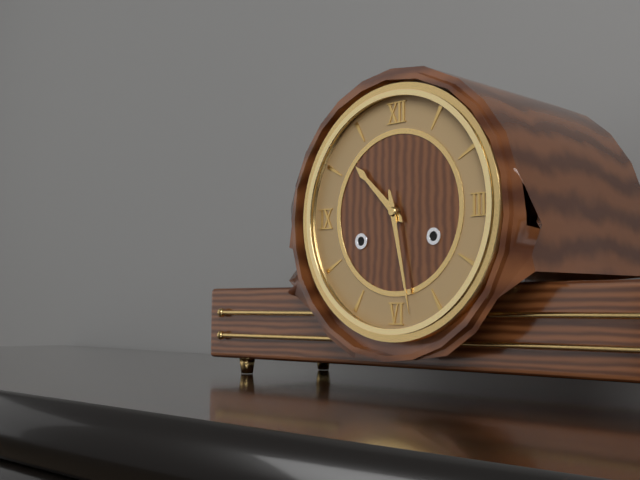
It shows h=10 m=28
